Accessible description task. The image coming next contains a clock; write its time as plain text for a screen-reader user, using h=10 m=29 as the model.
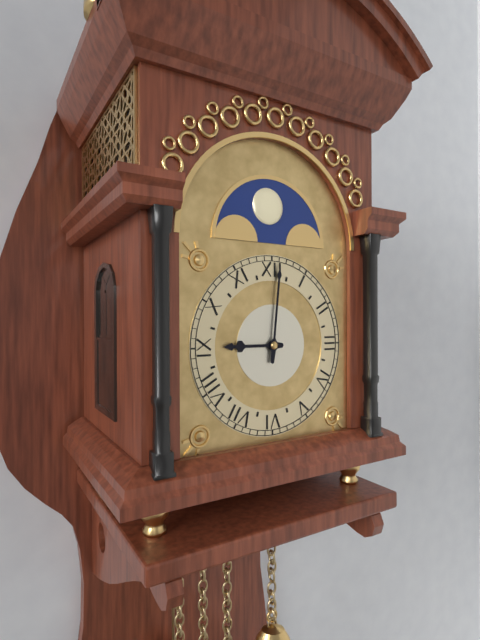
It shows h=9 m=1
